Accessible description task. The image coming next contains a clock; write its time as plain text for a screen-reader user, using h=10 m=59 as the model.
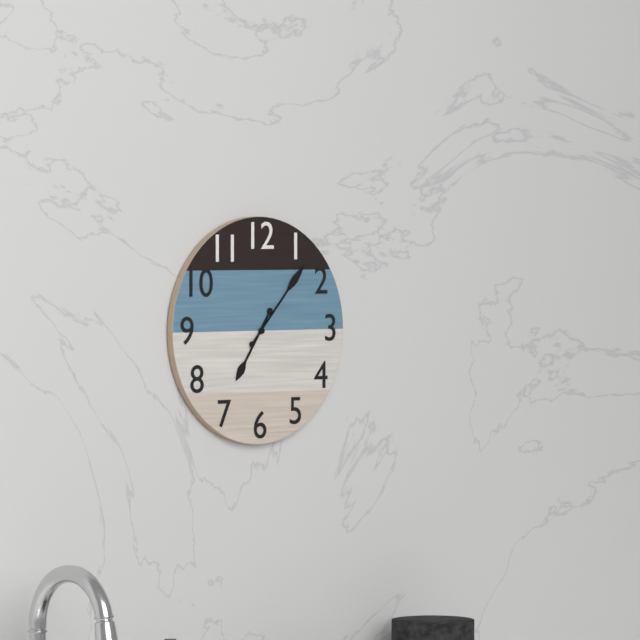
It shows h=7 m=7
